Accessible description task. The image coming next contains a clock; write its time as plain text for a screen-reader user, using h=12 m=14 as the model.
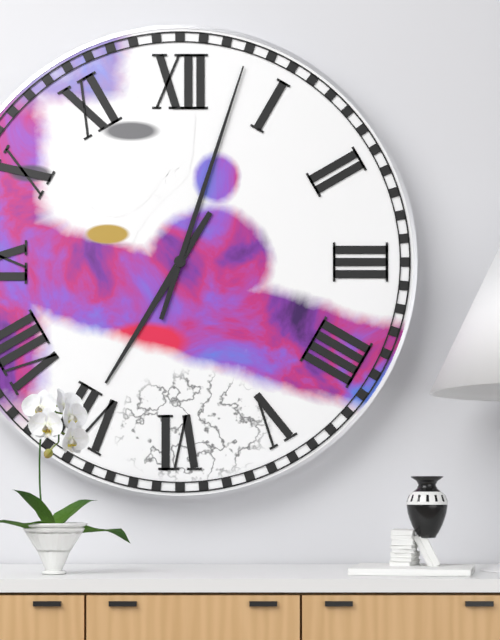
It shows h=7 m=3
